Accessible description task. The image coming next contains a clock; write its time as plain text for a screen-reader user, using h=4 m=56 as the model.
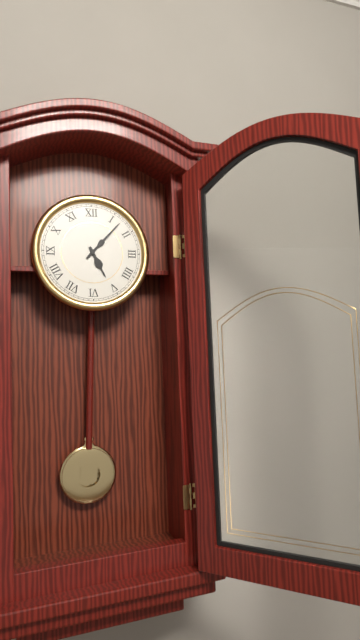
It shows h=5 m=7
